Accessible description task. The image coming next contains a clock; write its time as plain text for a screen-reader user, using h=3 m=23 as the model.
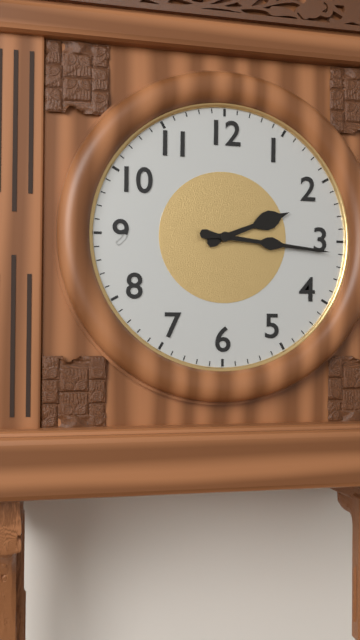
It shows h=2 m=16
